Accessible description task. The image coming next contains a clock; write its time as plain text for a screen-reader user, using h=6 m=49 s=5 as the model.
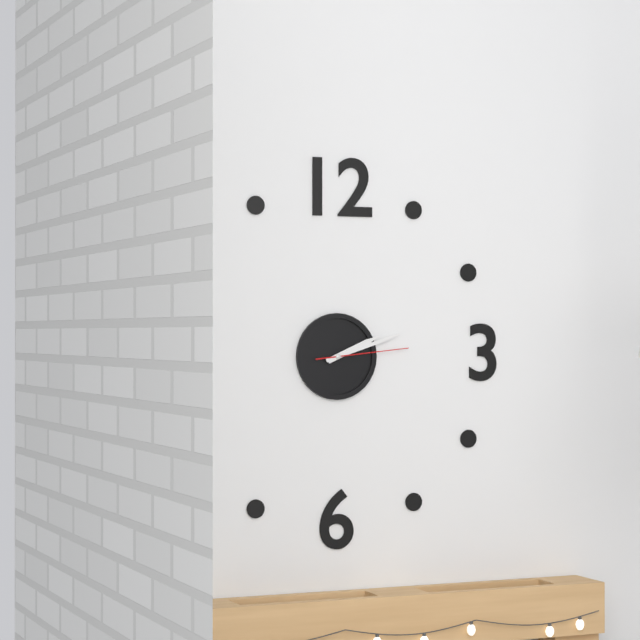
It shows h=2 m=12 s=14
